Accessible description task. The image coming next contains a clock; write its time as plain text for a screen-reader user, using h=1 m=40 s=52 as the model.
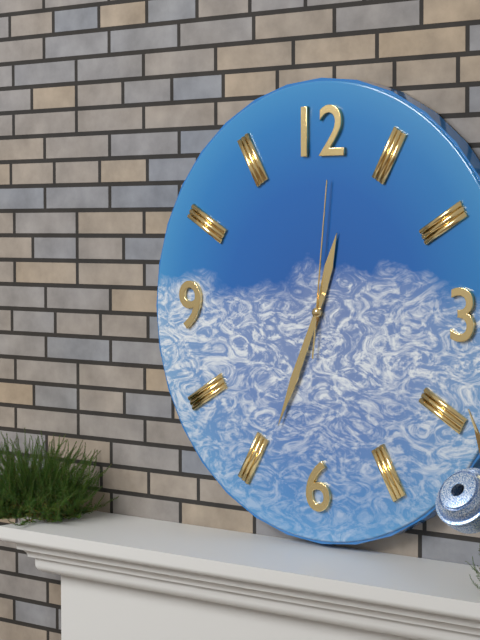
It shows h=12 m=34 s=1
